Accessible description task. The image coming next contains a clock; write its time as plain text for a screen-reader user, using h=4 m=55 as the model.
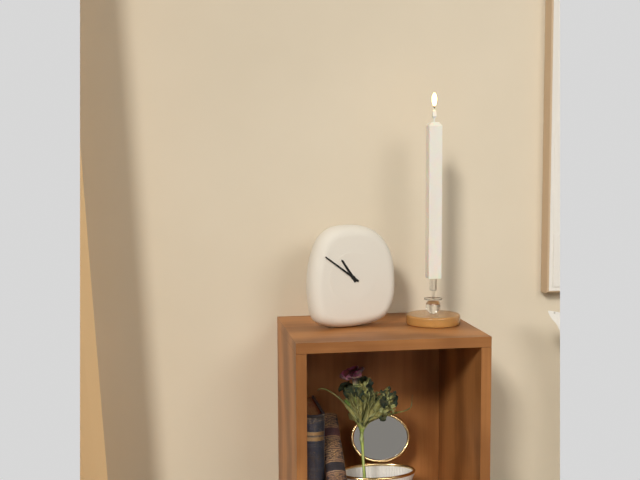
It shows h=10 m=51
